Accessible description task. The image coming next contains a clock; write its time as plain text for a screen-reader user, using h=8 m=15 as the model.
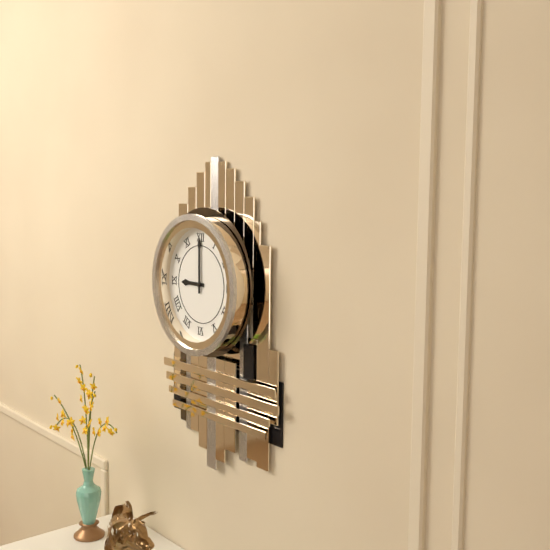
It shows h=9 m=0
